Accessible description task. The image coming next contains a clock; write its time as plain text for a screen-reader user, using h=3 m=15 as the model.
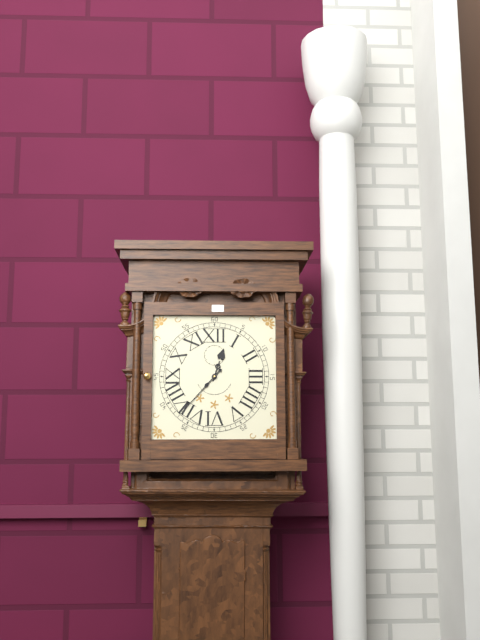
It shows h=12 m=37
